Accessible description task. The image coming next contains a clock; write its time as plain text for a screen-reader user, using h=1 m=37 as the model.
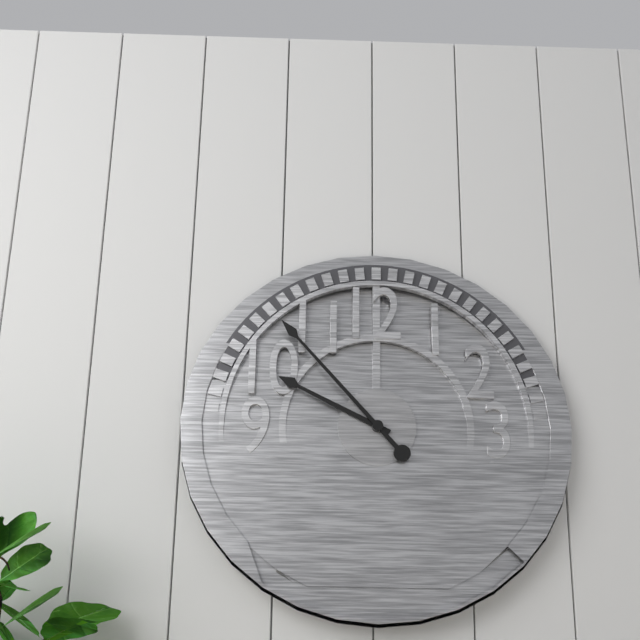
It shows h=9 m=53
